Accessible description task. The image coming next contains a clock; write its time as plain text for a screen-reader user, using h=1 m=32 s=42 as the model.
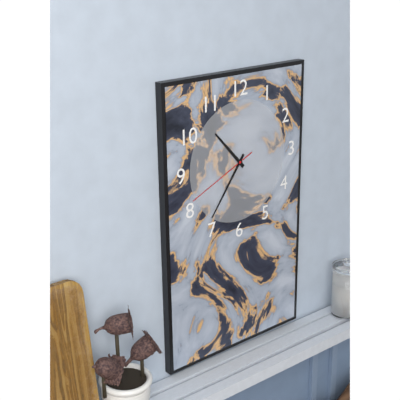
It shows h=10 m=36 s=41
